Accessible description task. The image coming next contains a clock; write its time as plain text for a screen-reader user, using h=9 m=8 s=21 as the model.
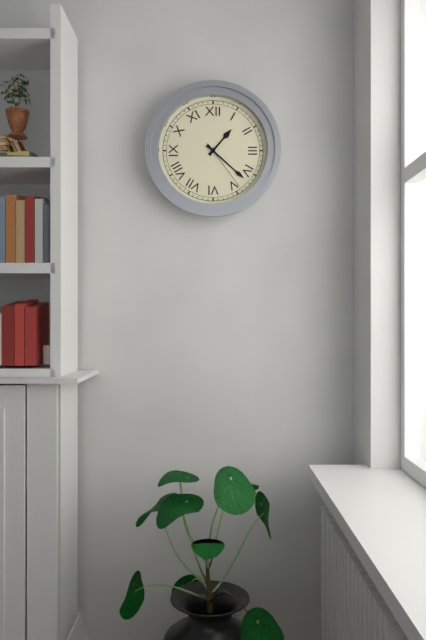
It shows h=1 m=22 s=24
